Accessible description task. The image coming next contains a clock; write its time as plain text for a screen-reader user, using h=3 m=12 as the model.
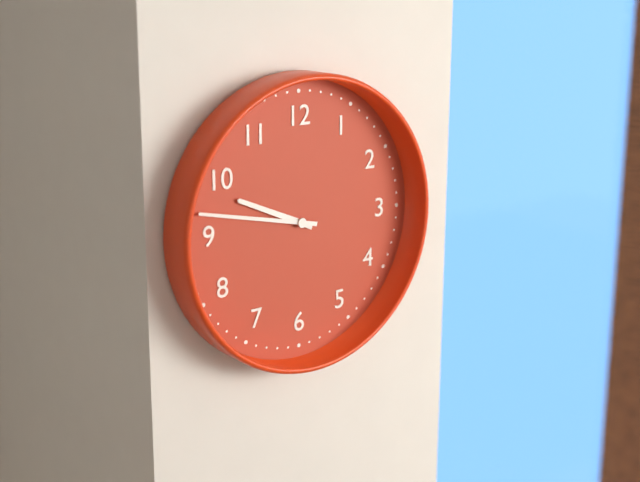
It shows h=9 m=47
